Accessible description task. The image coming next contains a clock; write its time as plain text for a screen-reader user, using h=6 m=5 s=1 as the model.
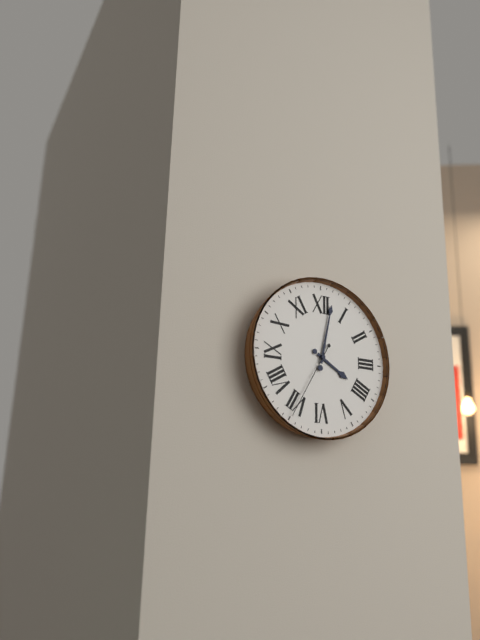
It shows h=4 m=2 s=35
